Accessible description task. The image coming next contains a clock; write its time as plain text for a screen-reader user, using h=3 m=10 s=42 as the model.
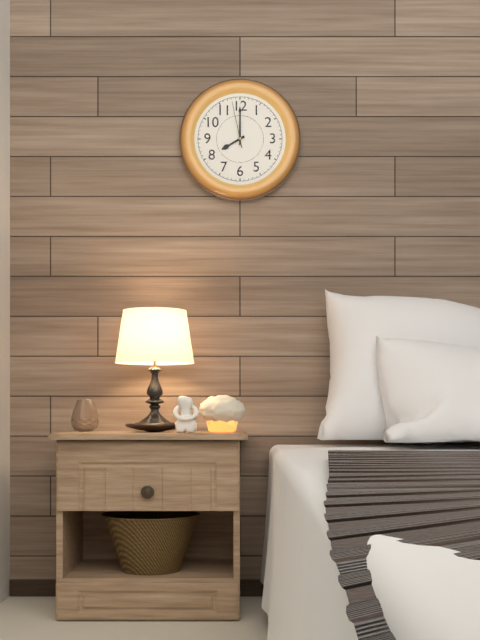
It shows h=8 m=0 s=58
